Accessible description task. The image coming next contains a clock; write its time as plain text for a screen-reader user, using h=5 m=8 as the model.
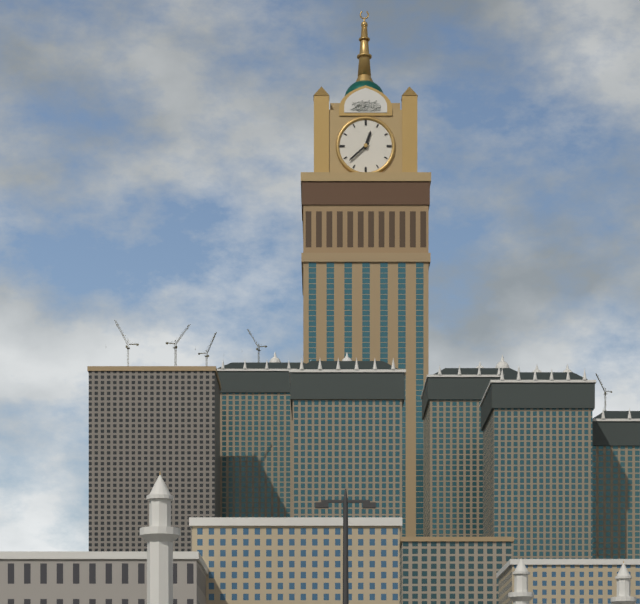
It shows h=12 m=38
